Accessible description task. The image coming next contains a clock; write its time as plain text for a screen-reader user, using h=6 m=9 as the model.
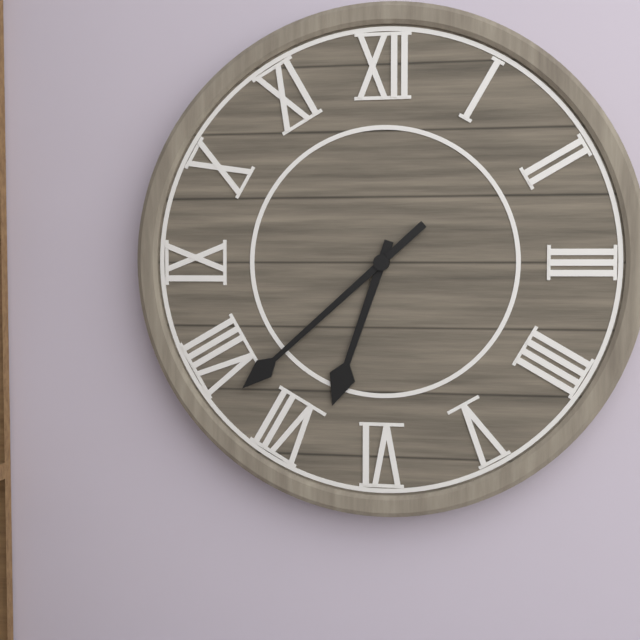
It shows h=6 m=38
